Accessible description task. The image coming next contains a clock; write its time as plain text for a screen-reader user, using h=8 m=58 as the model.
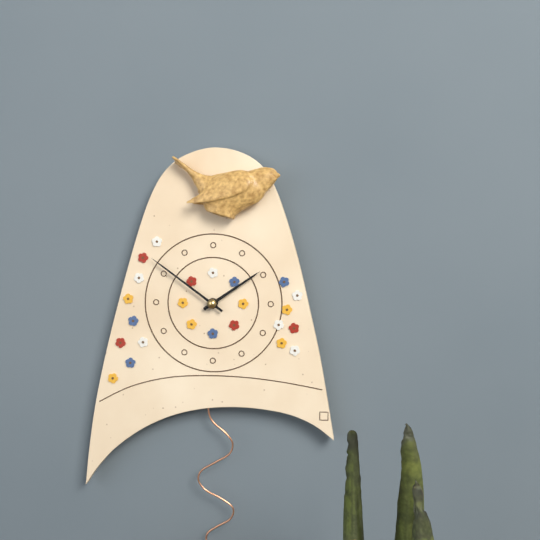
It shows h=1 m=51
